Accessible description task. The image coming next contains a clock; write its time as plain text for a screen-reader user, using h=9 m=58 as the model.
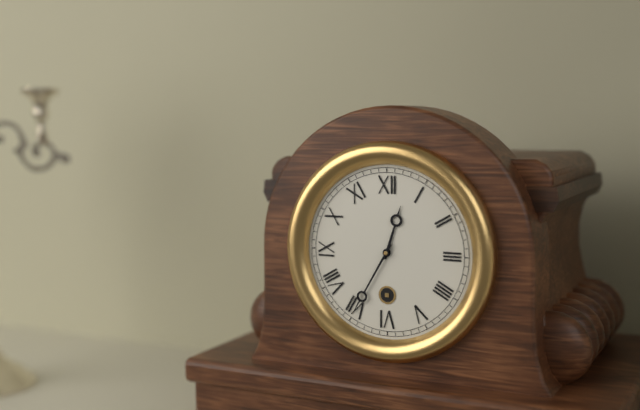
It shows h=12 m=35
